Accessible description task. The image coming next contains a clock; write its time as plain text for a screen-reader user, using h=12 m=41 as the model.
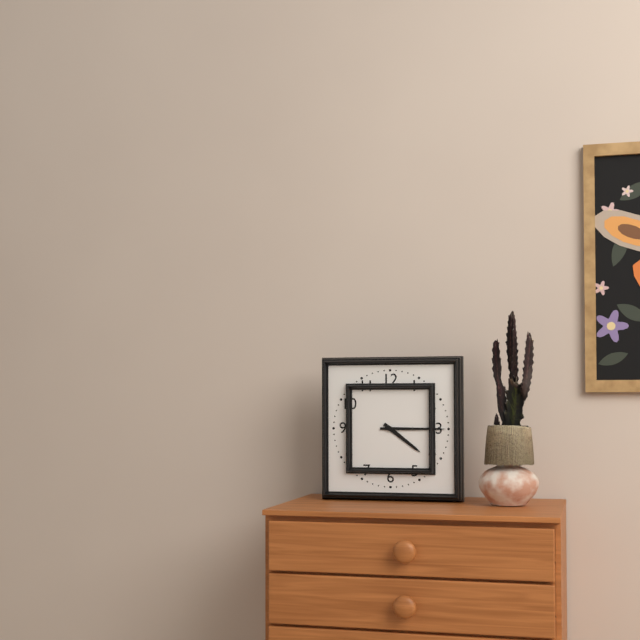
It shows h=4 m=15
